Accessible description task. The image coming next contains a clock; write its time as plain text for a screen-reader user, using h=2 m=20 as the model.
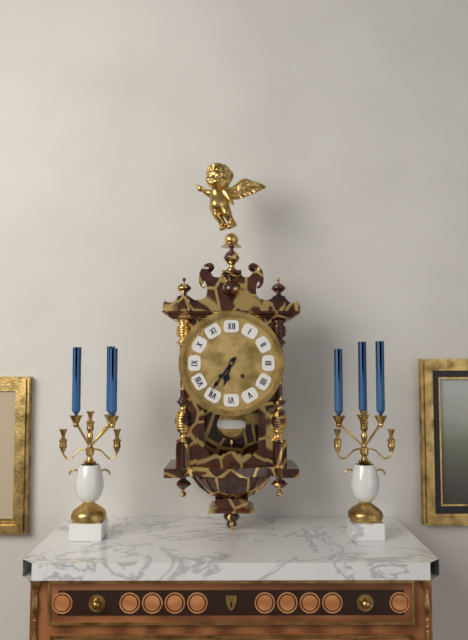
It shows h=6 m=36
